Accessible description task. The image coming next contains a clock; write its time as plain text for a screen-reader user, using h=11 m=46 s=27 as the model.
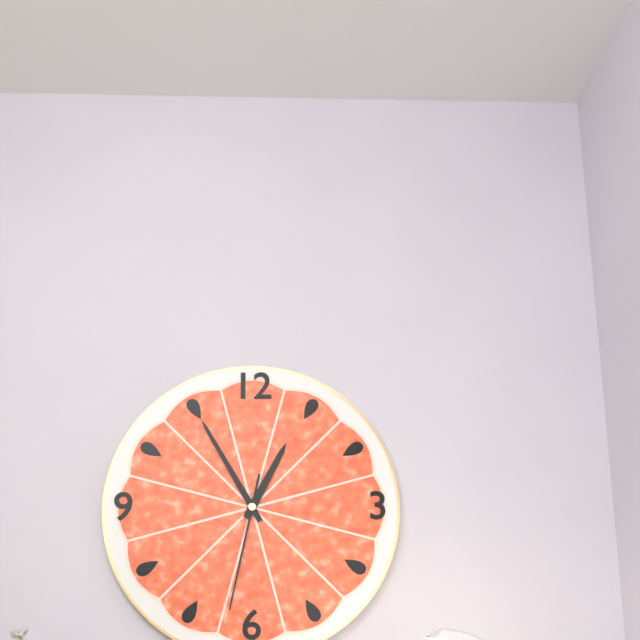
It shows h=12 m=55 s=32
